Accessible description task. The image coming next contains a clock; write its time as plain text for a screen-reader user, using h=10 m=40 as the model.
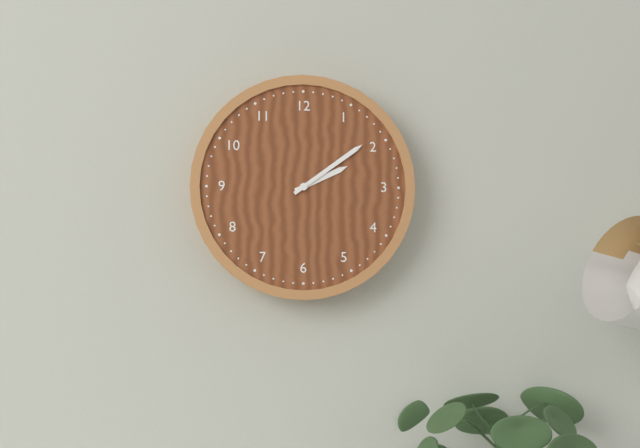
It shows h=2 m=9
